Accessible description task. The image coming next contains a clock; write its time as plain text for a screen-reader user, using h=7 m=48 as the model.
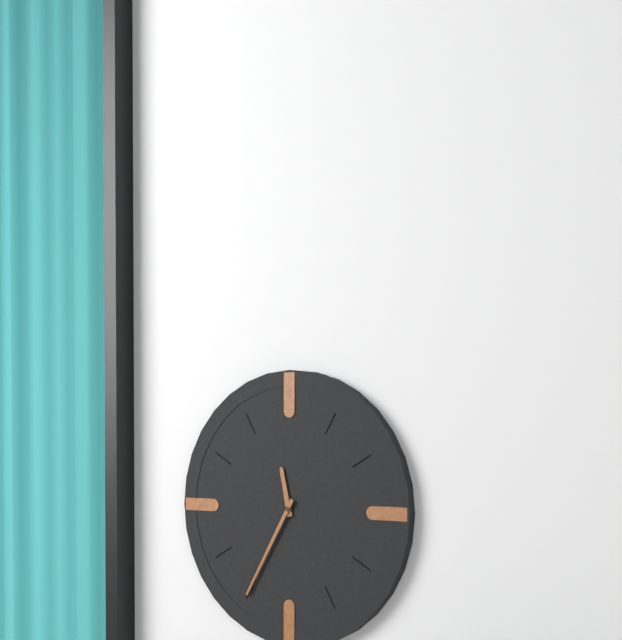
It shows h=11 m=35
